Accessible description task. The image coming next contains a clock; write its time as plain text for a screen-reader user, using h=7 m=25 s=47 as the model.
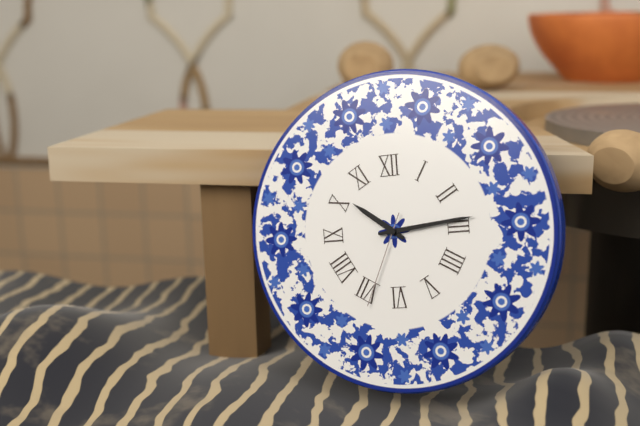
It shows h=10 m=14 s=34
